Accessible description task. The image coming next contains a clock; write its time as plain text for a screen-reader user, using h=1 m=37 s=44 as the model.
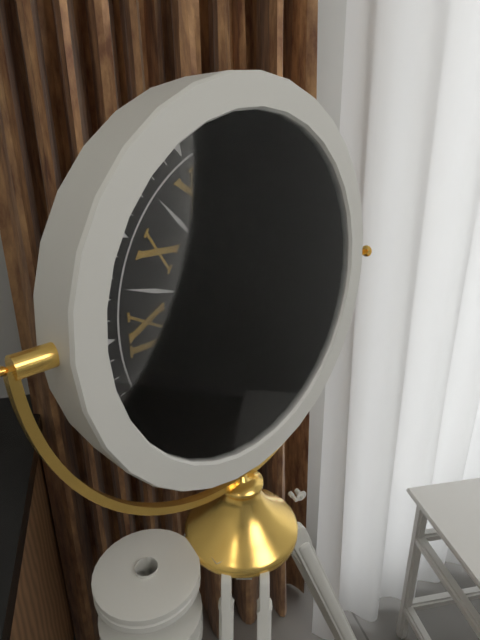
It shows h=2 m=4 s=29
